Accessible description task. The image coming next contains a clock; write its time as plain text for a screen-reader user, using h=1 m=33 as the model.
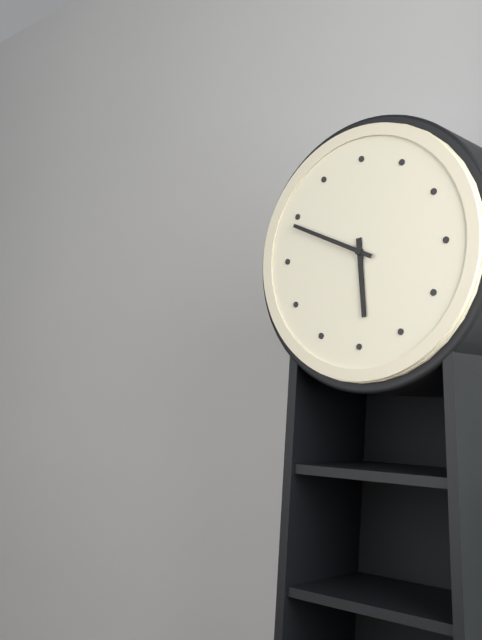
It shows h=5 m=49
